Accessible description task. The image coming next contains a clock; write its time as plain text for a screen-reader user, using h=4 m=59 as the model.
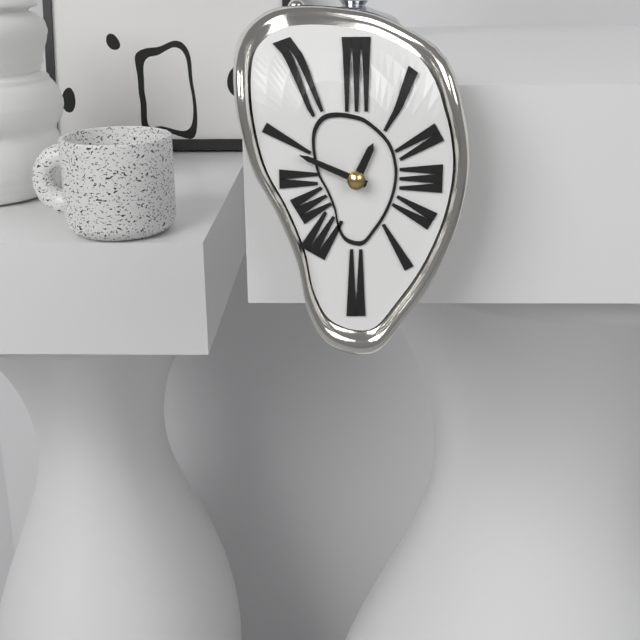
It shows h=12 m=49
